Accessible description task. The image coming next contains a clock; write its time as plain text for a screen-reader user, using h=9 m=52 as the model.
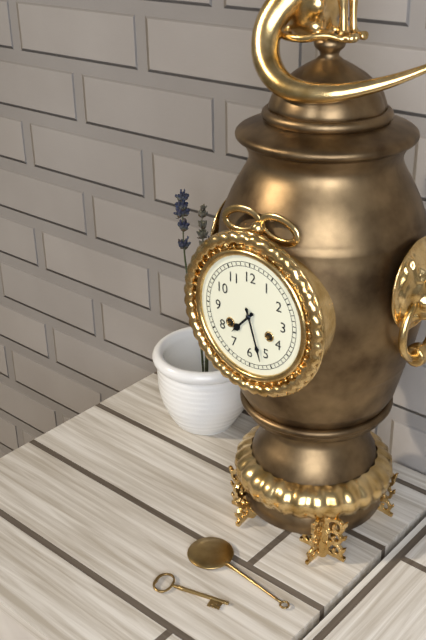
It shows h=7 m=27
